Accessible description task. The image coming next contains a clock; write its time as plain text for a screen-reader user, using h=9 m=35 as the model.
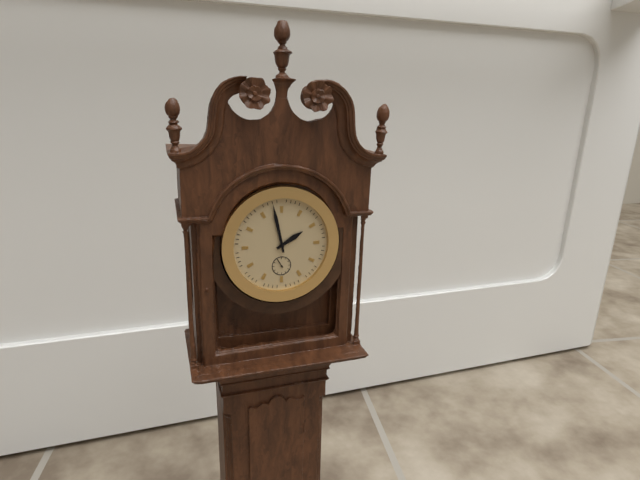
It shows h=1 m=58
